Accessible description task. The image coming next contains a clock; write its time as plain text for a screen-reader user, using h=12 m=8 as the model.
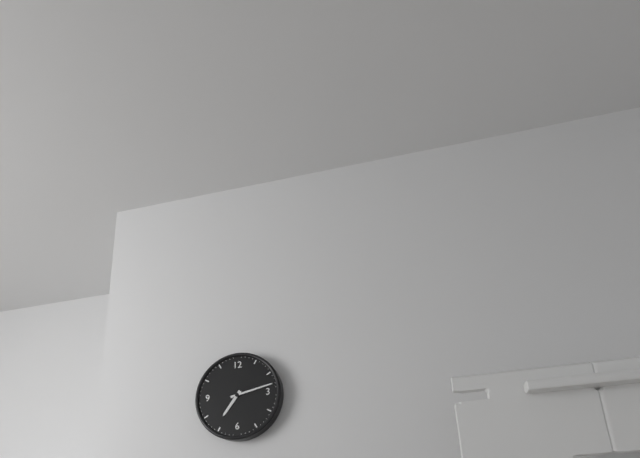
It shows h=7 m=13
